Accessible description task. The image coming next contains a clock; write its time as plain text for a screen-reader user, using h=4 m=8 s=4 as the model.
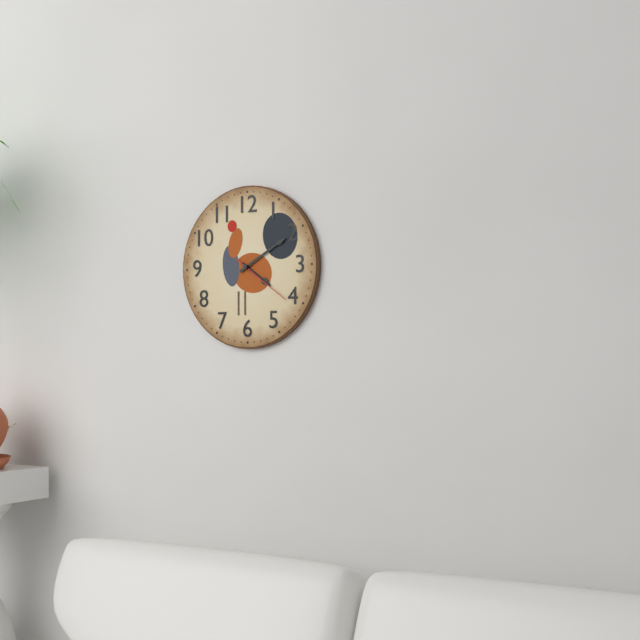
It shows h=4 m=10 s=21
